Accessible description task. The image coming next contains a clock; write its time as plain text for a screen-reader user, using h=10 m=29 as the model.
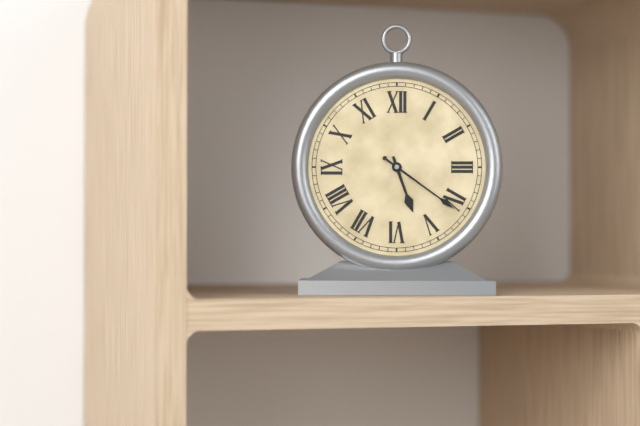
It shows h=5 m=21
